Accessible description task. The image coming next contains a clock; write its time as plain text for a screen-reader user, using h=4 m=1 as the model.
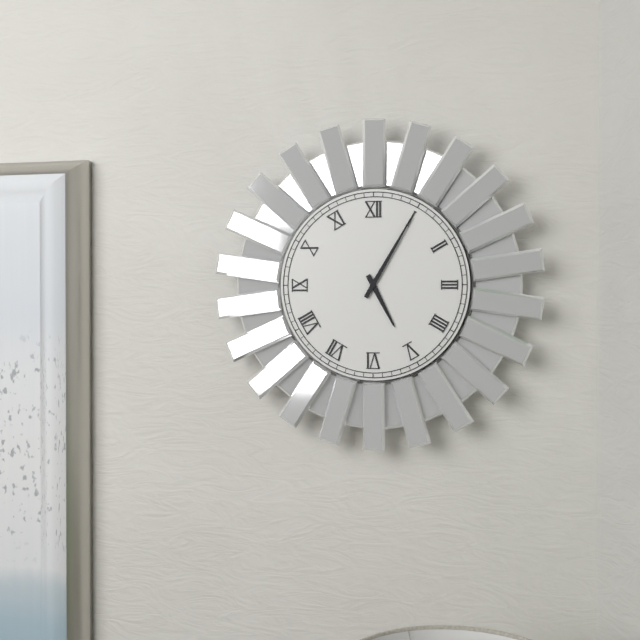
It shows h=5 m=5
